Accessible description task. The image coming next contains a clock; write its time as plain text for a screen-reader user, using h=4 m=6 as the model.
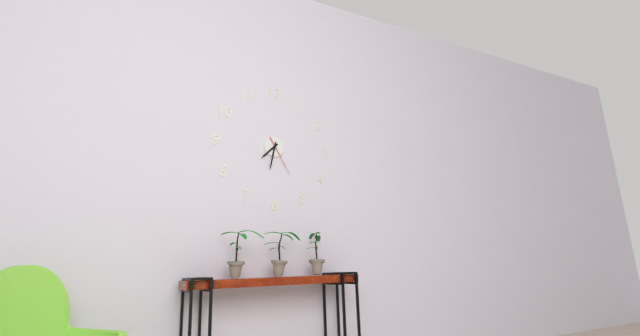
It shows h=7 m=32
